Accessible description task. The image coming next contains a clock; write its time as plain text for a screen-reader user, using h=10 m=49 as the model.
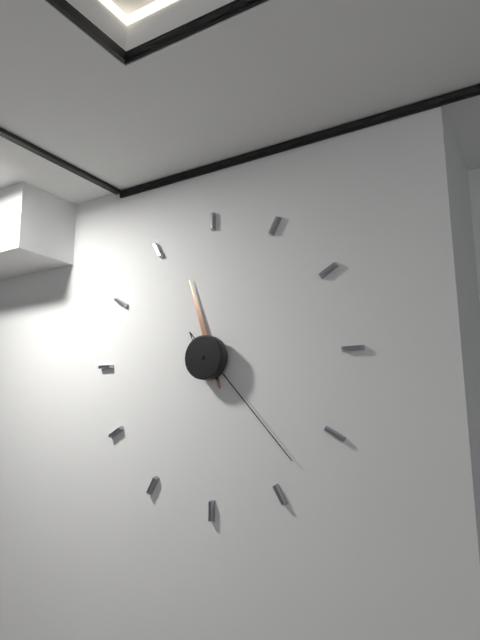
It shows h=11 m=23
